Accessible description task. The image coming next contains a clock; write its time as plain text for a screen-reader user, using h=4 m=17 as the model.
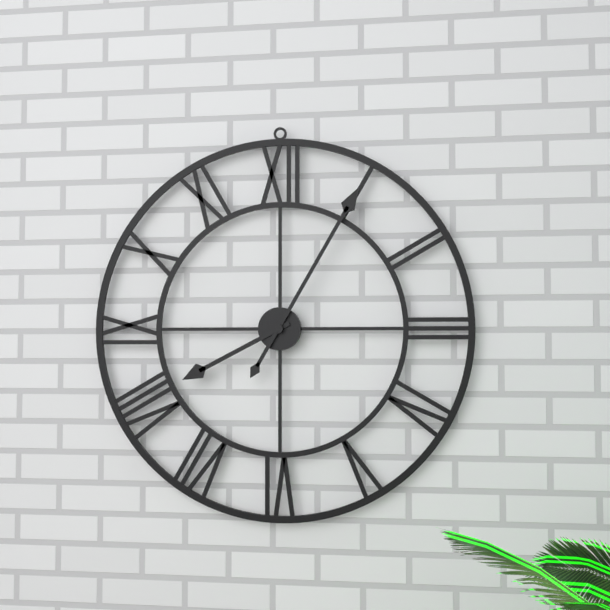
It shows h=8 m=5
